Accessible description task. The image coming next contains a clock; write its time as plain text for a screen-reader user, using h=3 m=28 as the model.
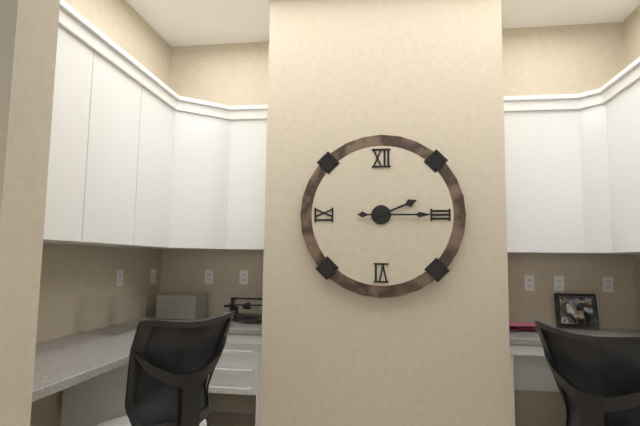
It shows h=2 m=15
